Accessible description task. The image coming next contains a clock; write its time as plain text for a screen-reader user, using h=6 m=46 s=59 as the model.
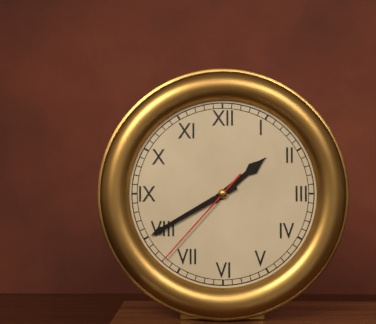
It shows h=1 m=40 s=37
